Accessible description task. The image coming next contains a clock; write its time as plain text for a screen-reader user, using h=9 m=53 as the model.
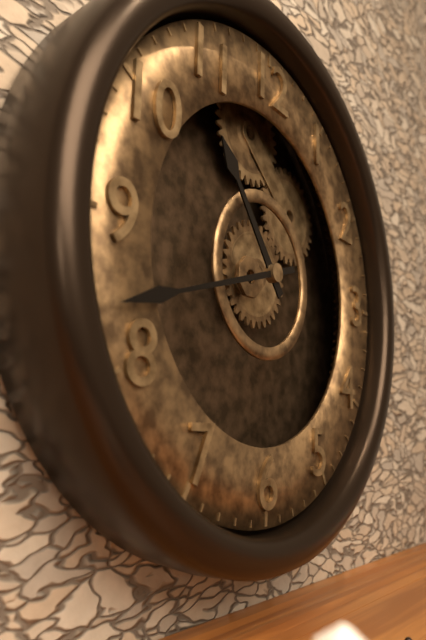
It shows h=10 m=42
